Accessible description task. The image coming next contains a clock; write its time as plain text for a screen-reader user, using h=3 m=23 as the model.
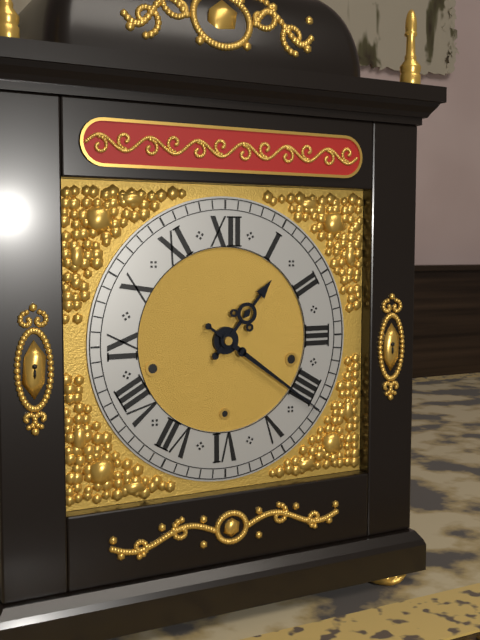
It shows h=1 m=21
